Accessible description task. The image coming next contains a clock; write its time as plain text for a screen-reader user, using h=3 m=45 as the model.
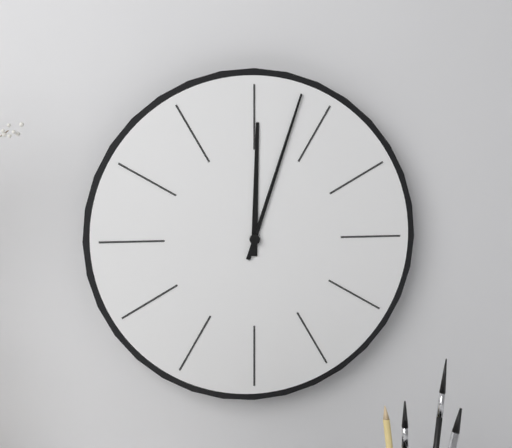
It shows h=12 m=3
